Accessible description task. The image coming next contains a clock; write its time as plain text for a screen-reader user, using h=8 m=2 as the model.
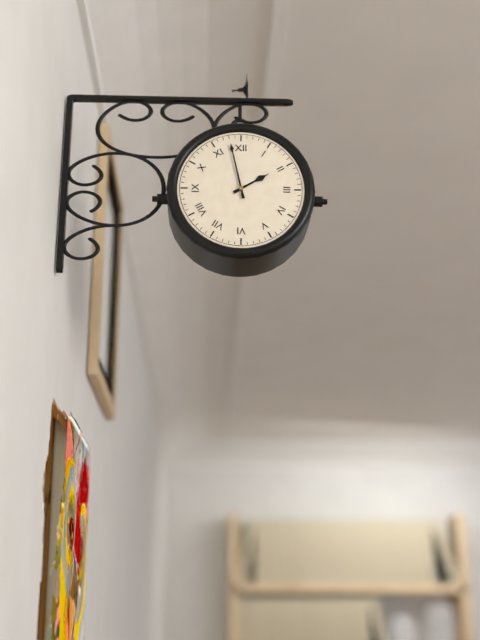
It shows h=1 m=58
